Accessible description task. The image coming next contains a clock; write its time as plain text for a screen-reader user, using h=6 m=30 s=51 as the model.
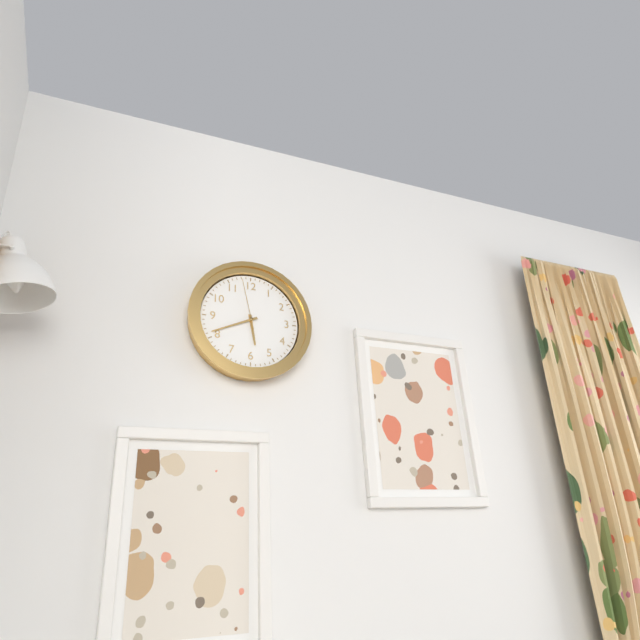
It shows h=5 m=41 s=58
